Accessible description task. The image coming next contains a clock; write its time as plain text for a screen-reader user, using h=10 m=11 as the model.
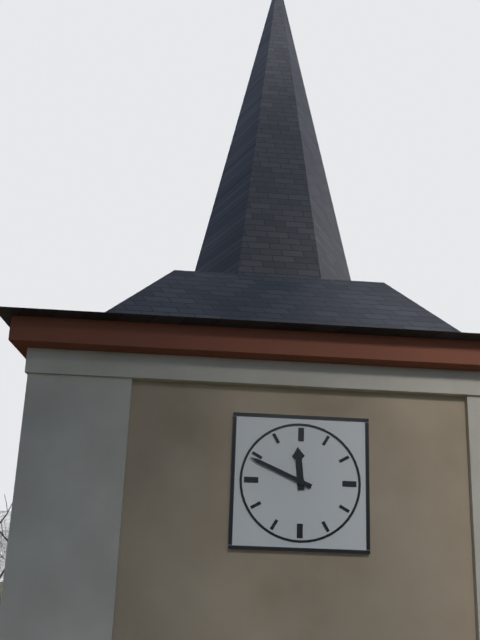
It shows h=11 m=49
